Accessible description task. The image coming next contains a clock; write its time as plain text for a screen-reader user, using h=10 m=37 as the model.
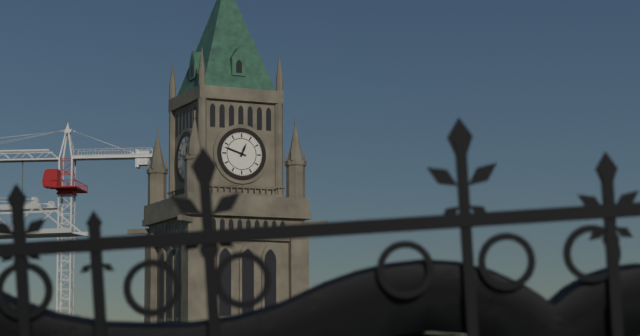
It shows h=12 m=48
